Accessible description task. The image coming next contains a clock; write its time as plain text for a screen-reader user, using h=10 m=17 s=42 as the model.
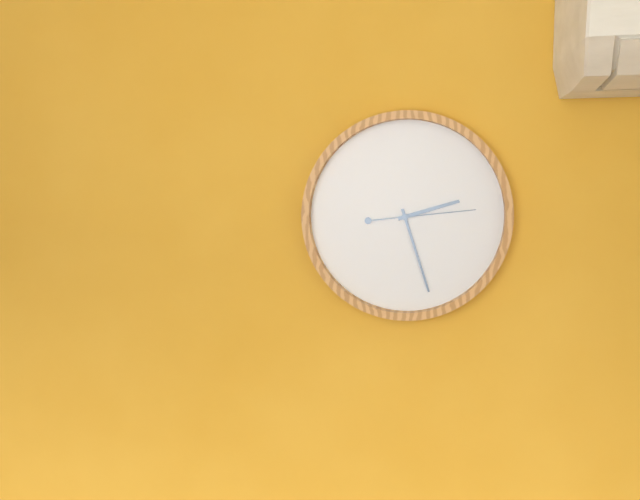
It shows h=2 m=27 s=14
